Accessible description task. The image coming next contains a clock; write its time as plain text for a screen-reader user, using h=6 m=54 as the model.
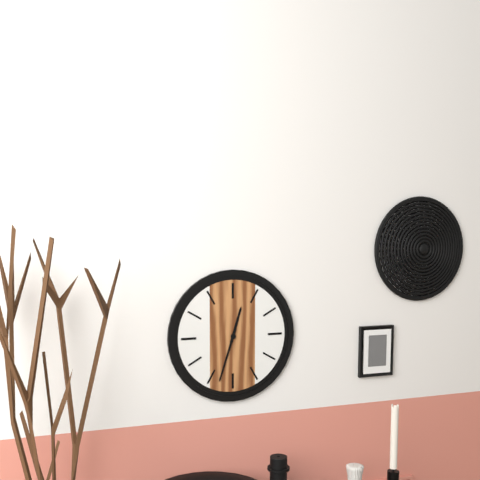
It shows h=12 m=33
